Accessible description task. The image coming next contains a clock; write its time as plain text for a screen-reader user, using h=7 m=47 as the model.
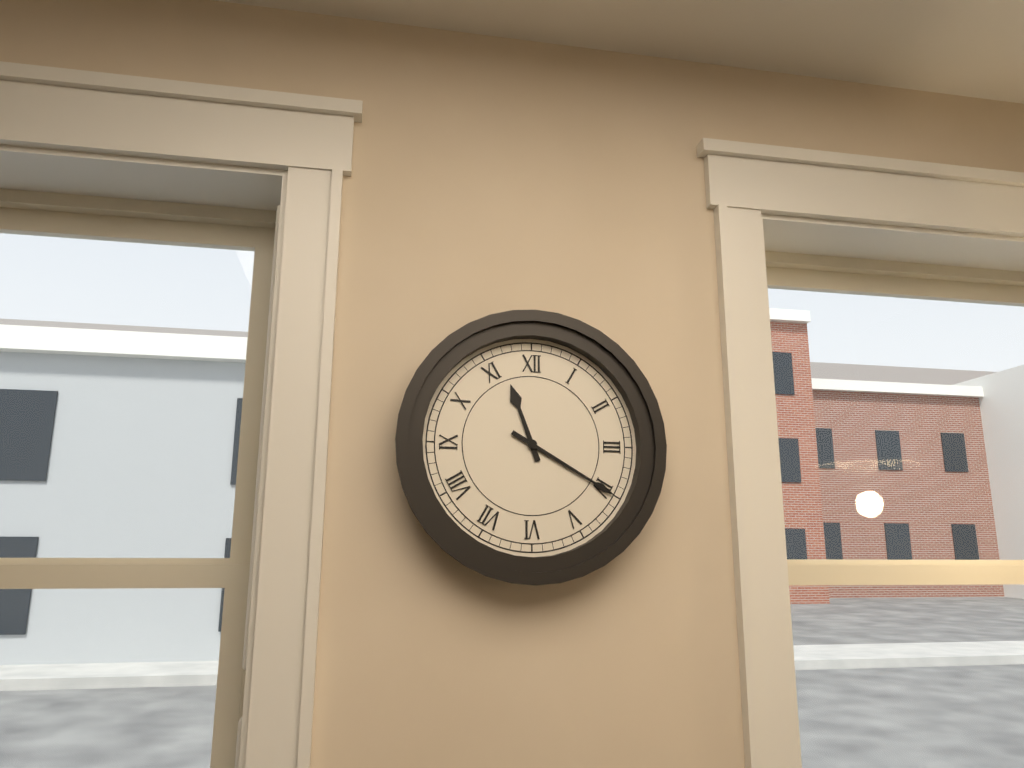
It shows h=11 m=20
